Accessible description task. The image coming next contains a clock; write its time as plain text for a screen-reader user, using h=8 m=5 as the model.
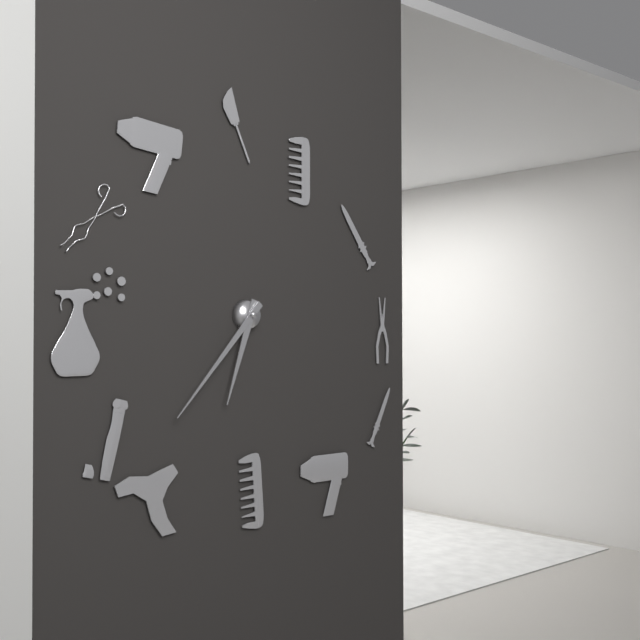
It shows h=6 m=37
